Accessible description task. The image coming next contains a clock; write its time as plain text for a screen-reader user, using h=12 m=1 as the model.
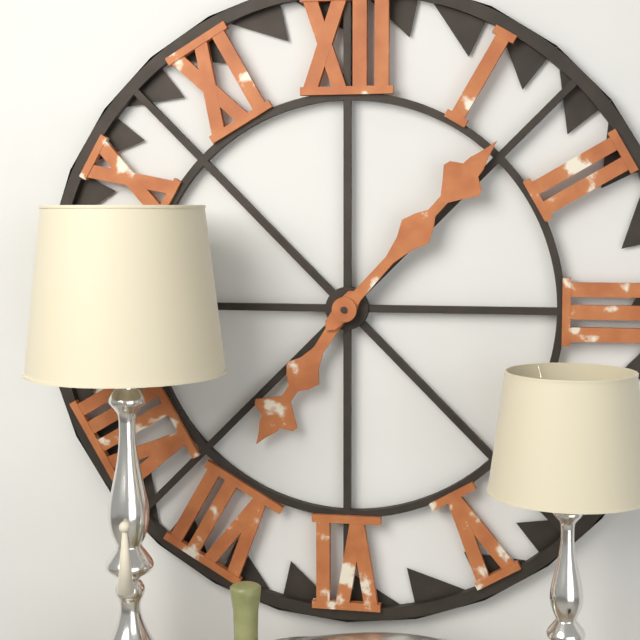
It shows h=7 m=7
